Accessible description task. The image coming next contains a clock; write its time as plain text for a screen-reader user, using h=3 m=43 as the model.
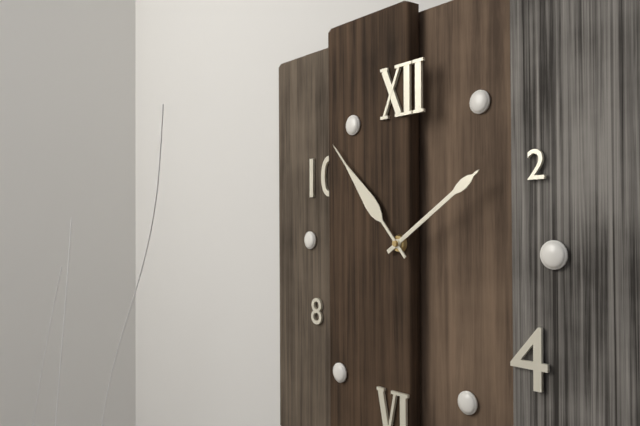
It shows h=1 m=53
